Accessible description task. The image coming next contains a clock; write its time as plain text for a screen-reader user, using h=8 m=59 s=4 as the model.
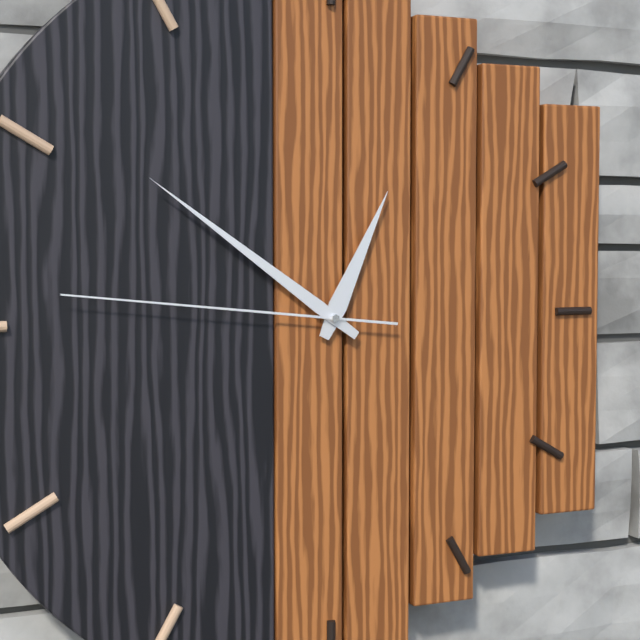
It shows h=12 m=51 s=46
